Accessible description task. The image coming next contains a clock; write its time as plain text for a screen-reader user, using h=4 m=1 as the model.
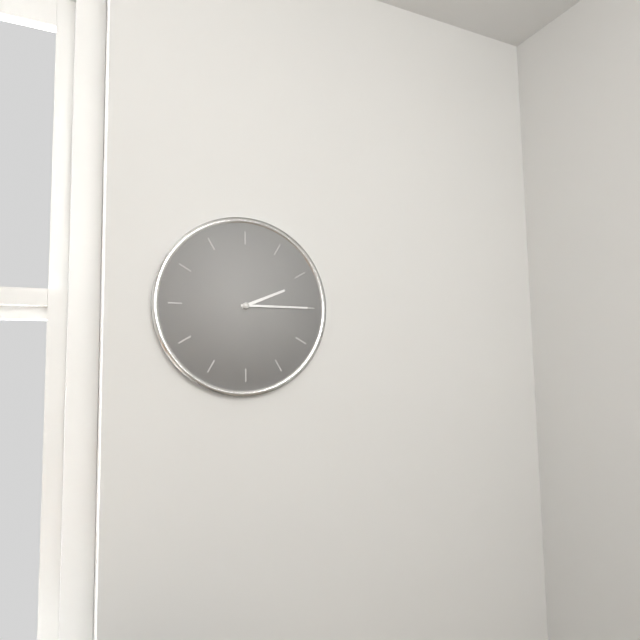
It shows h=2 m=15
